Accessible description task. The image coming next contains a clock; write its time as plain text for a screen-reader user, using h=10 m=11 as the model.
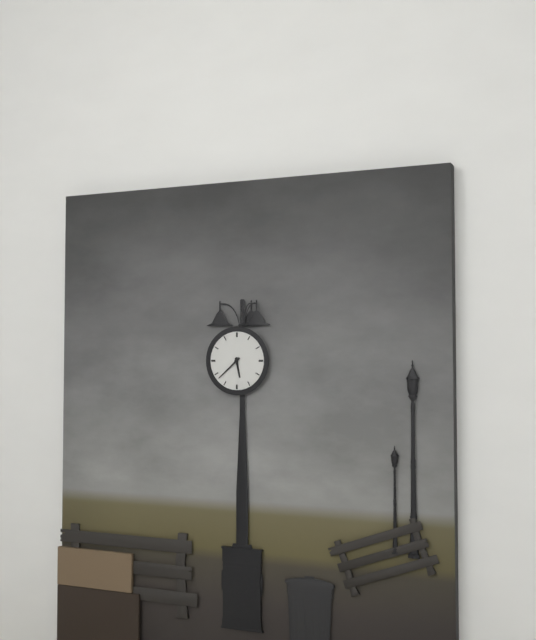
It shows h=5 m=38
